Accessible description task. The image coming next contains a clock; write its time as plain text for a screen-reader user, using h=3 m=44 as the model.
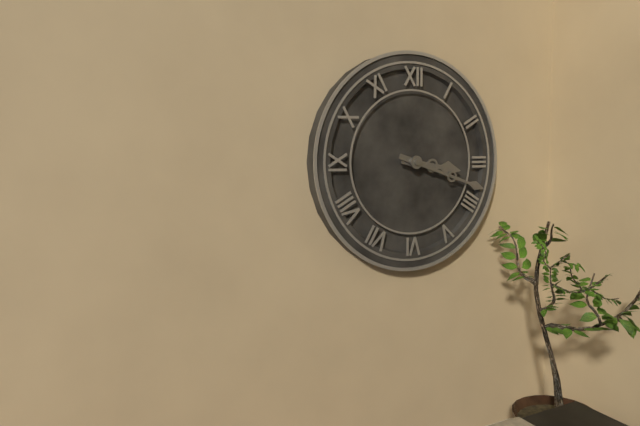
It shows h=3 m=18
